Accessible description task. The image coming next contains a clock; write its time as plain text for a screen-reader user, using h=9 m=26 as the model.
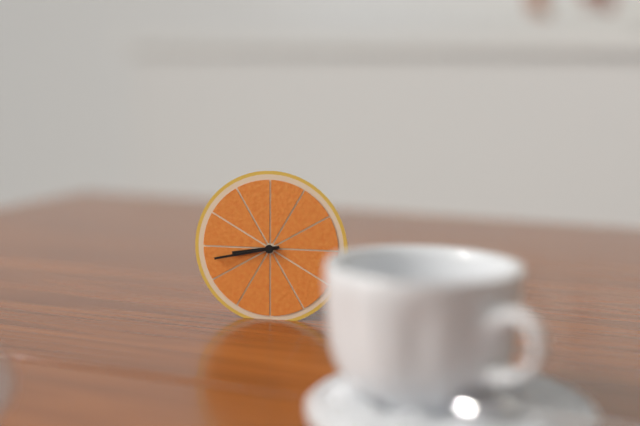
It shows h=8 m=43
